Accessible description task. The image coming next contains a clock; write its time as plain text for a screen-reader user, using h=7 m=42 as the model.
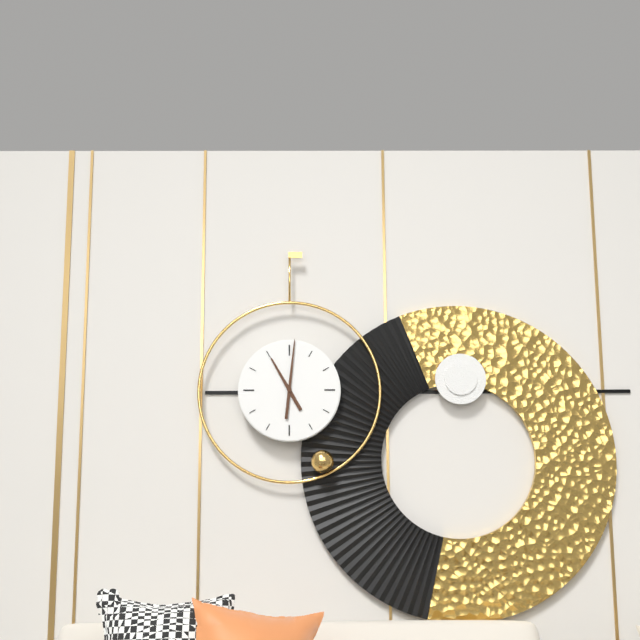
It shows h=11 m=1
